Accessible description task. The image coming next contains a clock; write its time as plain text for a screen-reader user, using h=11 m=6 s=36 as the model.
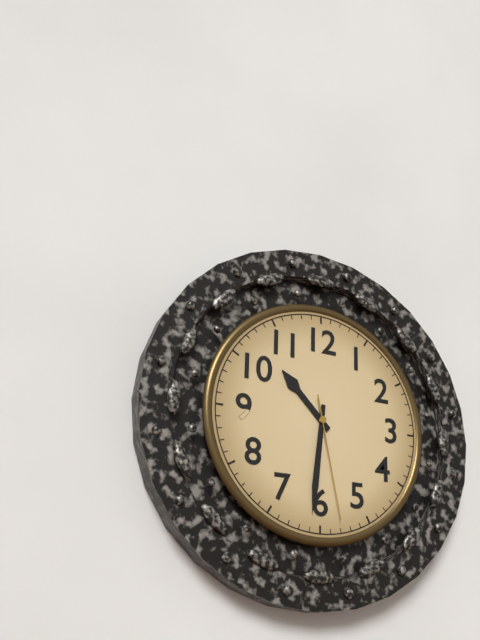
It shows h=10 m=31 s=28
